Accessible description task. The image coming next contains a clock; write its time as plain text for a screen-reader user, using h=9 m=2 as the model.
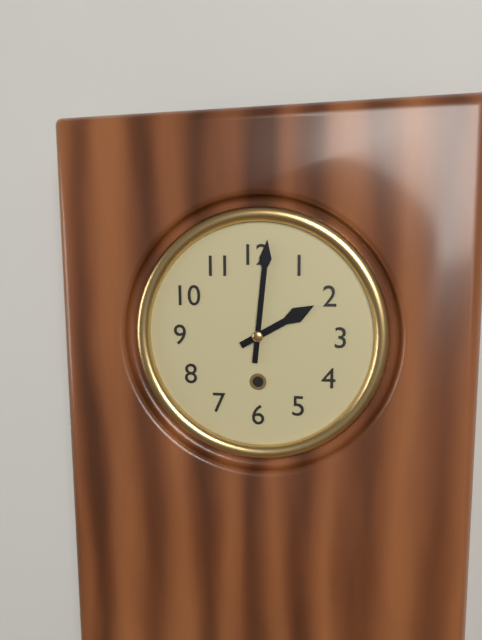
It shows h=2 m=1
